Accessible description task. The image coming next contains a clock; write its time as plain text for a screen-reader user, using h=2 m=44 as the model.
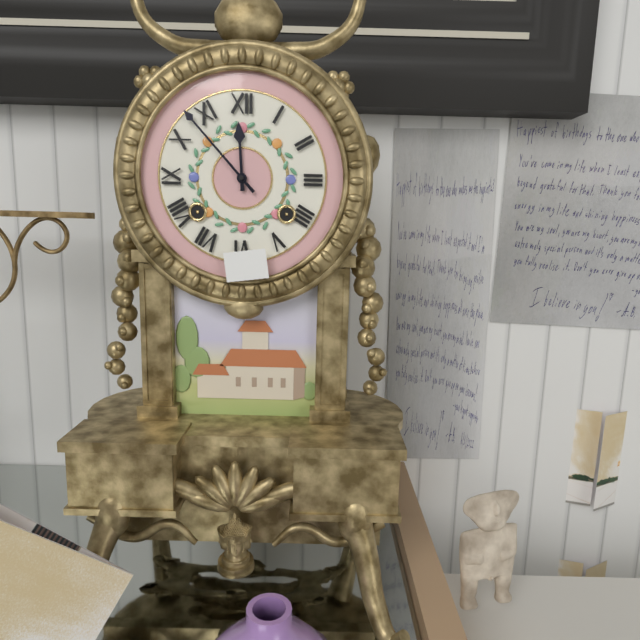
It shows h=11 m=53
